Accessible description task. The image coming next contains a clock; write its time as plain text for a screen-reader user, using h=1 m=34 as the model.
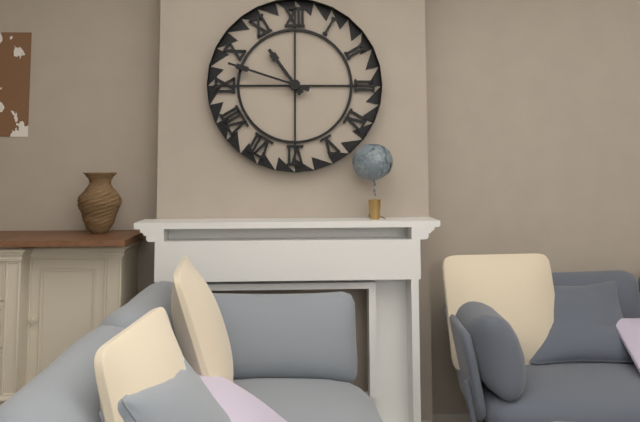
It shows h=10 m=48
